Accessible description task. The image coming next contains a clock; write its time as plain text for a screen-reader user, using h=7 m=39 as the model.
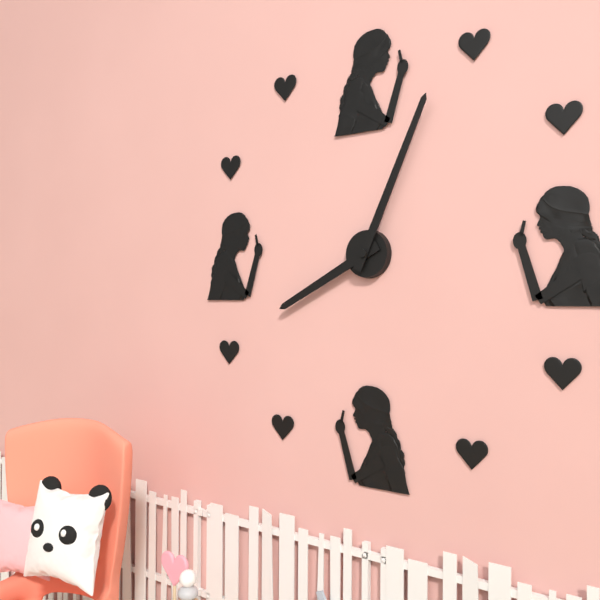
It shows h=8 m=4
